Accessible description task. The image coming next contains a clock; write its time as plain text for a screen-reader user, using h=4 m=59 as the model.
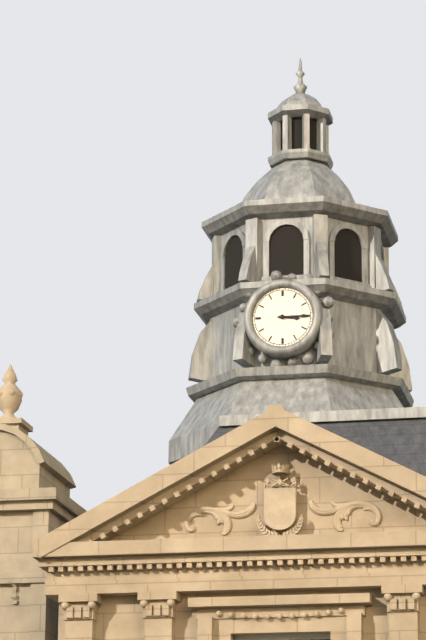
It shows h=3 m=15
